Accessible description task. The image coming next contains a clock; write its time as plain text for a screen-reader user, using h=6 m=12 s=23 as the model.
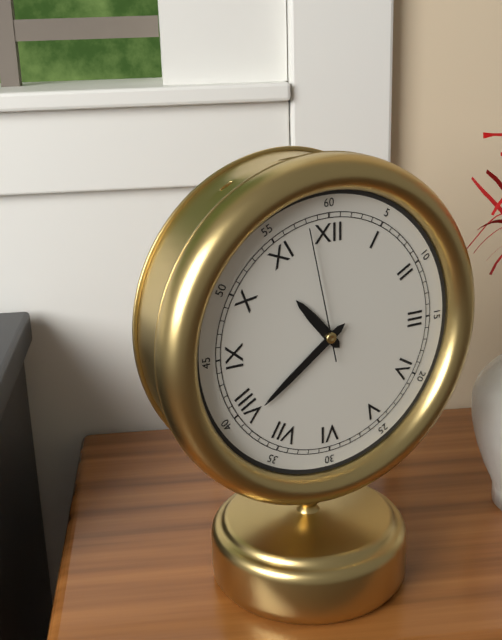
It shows h=10 m=39 s=58
